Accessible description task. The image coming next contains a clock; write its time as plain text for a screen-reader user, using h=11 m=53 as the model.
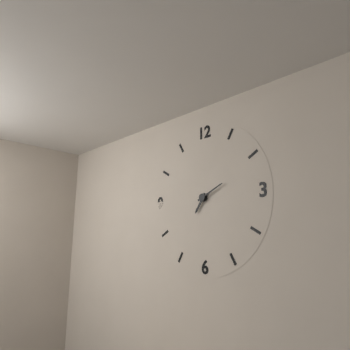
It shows h=7 m=11
